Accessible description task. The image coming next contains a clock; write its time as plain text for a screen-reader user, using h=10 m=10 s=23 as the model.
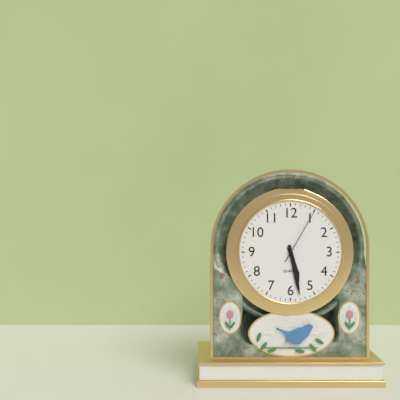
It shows h=5 m=28 s=5
